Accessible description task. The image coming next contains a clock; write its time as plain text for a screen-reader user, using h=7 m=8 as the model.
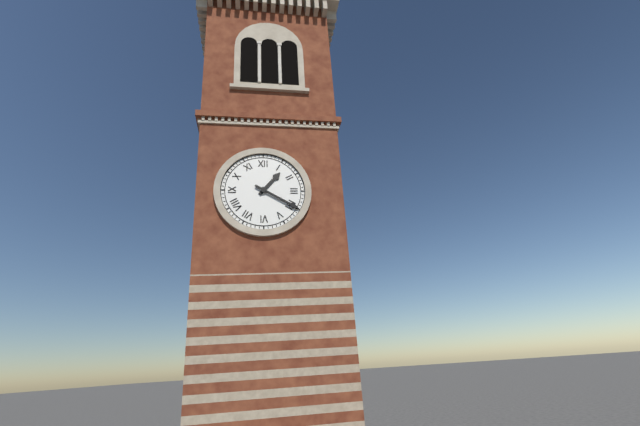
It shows h=1 m=20
